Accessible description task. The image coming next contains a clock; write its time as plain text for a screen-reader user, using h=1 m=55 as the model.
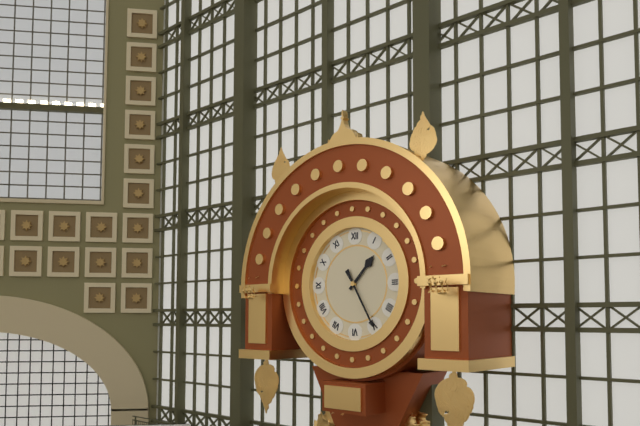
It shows h=1 m=25
